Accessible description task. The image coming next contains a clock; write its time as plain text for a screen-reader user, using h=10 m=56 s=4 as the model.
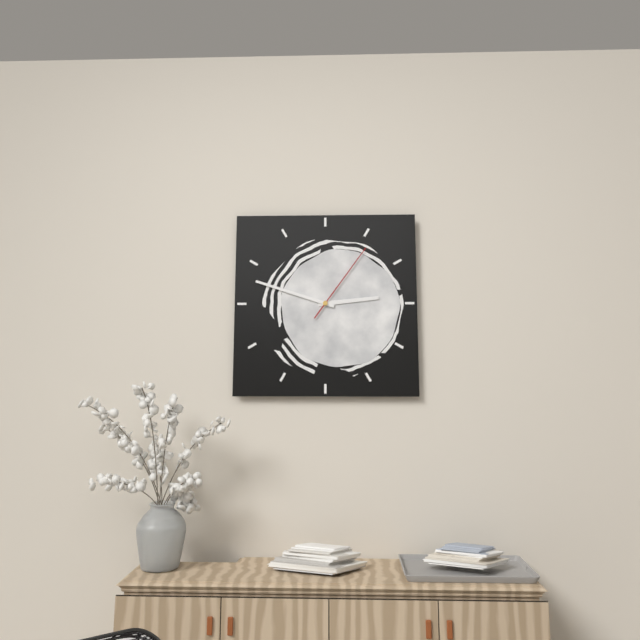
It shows h=2 m=48 s=6
